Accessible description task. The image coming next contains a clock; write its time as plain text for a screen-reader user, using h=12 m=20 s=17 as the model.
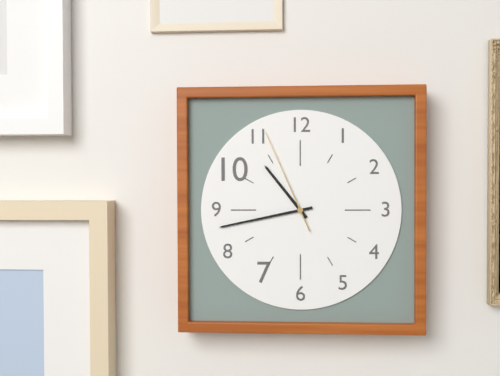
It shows h=10 m=43 s=56
